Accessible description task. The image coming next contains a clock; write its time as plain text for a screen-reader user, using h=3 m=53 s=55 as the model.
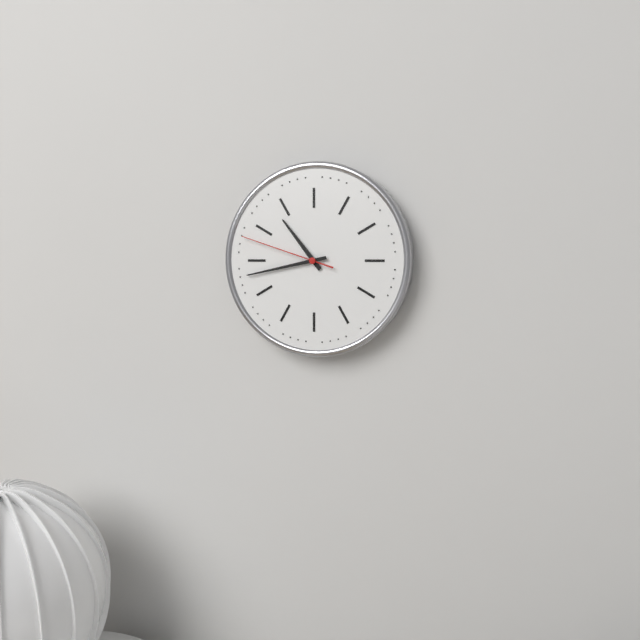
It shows h=10 m=43 s=48
